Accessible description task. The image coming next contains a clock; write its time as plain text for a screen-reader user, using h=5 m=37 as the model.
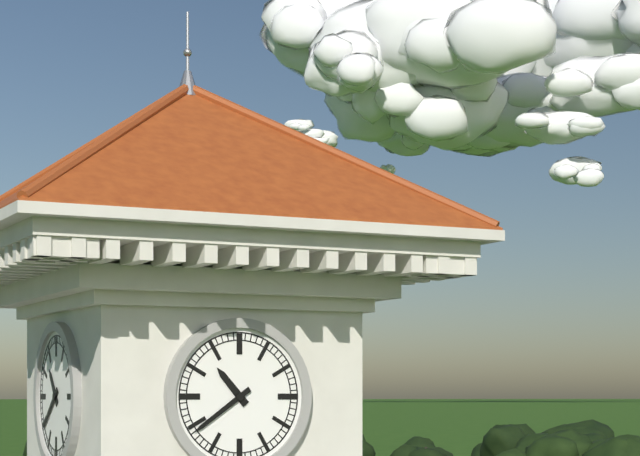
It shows h=10 m=39
